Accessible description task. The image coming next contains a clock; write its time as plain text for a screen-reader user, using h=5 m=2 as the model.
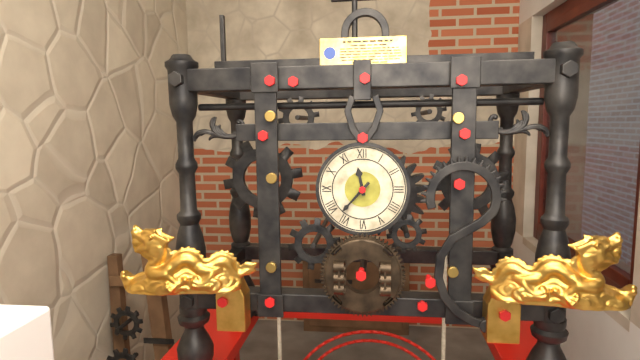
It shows h=11 m=37
